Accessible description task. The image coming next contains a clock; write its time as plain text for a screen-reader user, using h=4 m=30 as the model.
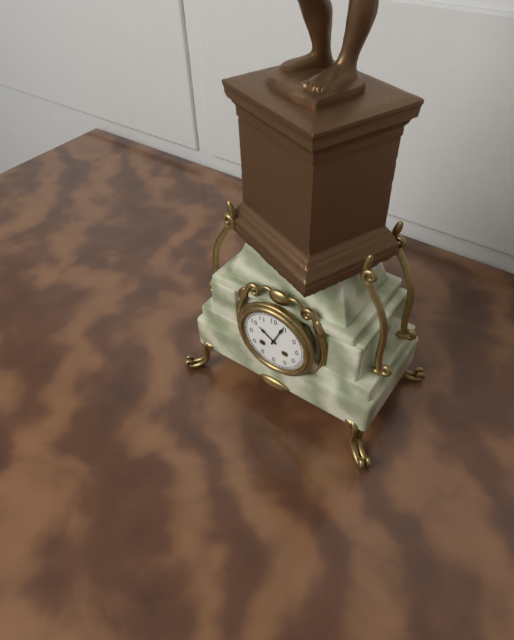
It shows h=10 m=4
